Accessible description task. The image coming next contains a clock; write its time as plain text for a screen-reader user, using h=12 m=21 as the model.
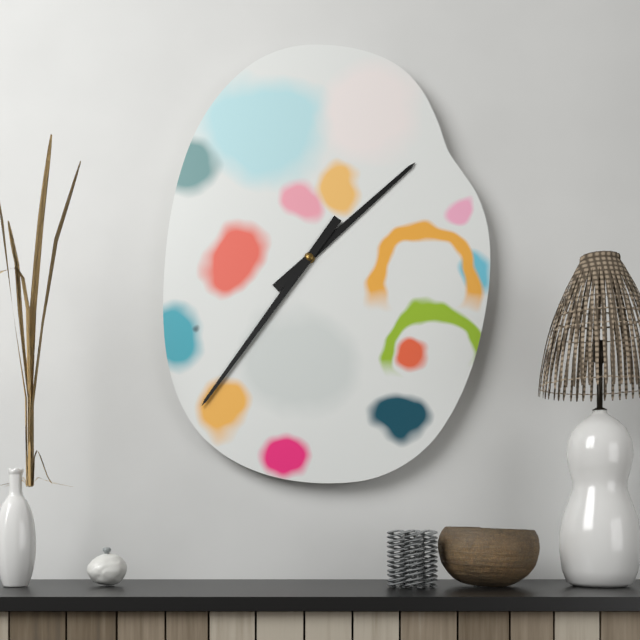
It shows h=1 m=36
